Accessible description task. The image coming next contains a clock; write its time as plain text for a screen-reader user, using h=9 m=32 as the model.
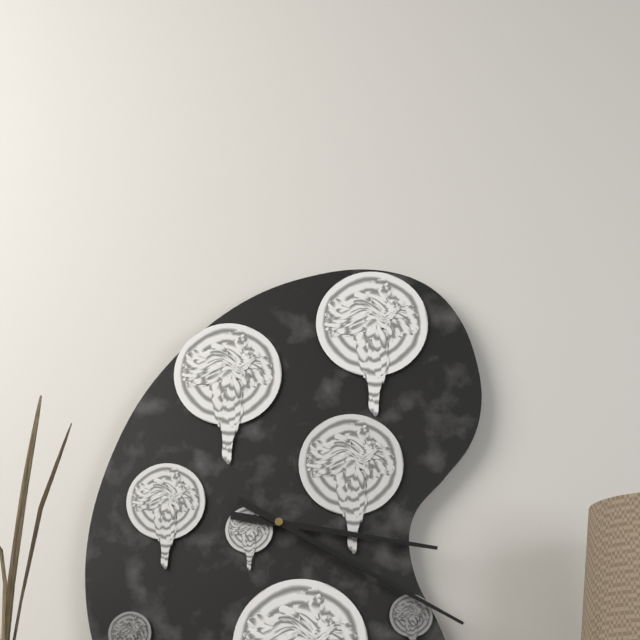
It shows h=3 m=20
